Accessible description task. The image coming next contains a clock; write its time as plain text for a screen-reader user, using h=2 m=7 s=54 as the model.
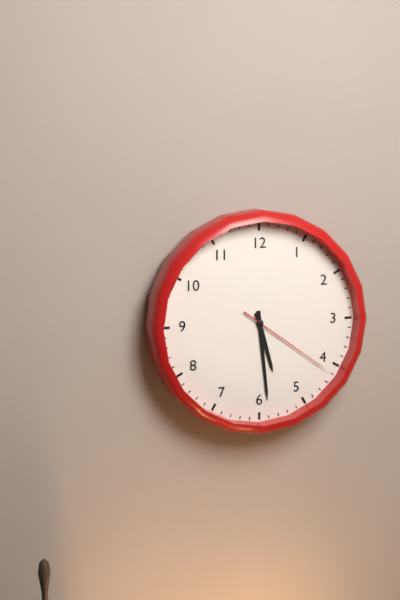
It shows h=5 m=29 s=21
